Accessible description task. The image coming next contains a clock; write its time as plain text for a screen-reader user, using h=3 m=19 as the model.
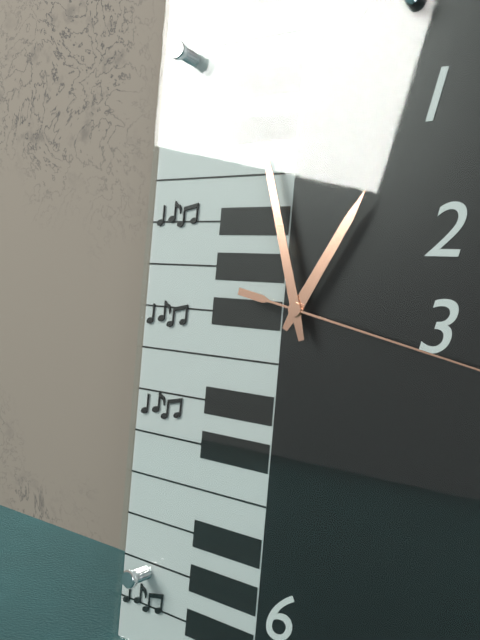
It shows h=12 m=57
